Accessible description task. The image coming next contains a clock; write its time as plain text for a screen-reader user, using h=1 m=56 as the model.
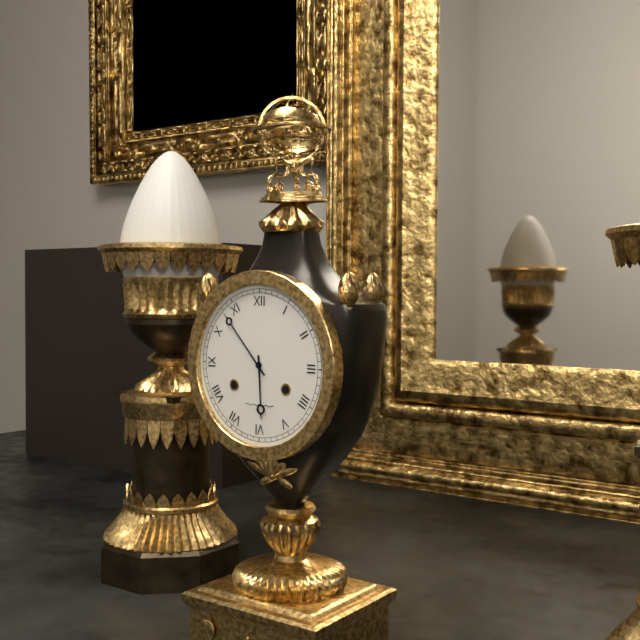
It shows h=5 m=53
